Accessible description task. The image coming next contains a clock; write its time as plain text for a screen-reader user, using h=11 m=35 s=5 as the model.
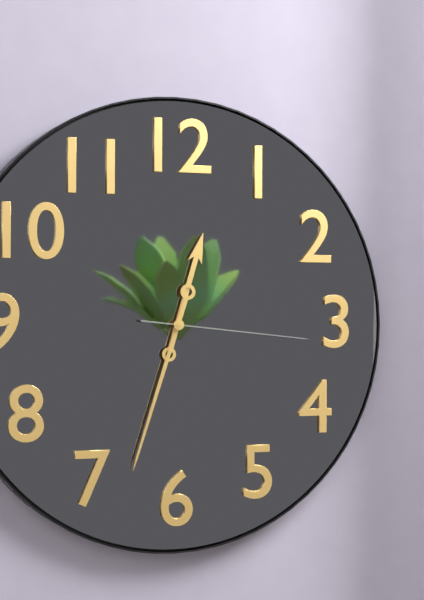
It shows h=12 m=33 s=16
